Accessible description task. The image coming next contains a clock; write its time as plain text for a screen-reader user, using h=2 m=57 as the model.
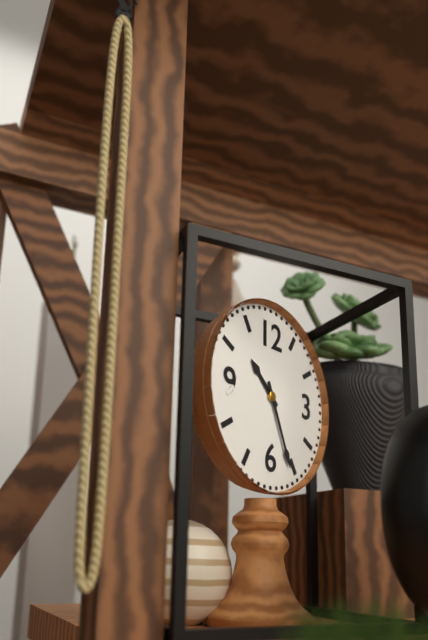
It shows h=10 m=26
